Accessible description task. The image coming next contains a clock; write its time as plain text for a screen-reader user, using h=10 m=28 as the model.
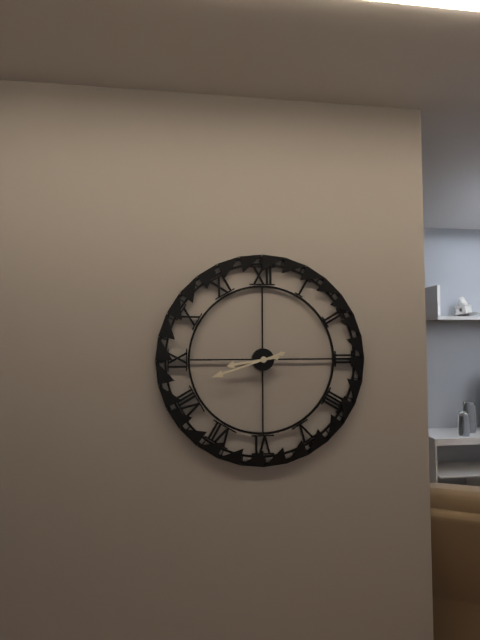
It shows h=8 m=42
